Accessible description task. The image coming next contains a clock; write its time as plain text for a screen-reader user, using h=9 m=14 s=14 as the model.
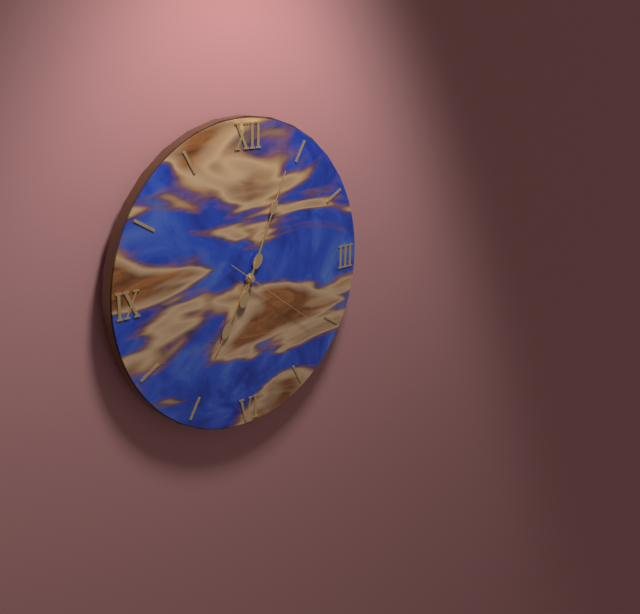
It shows h=7 m=4 s=21
